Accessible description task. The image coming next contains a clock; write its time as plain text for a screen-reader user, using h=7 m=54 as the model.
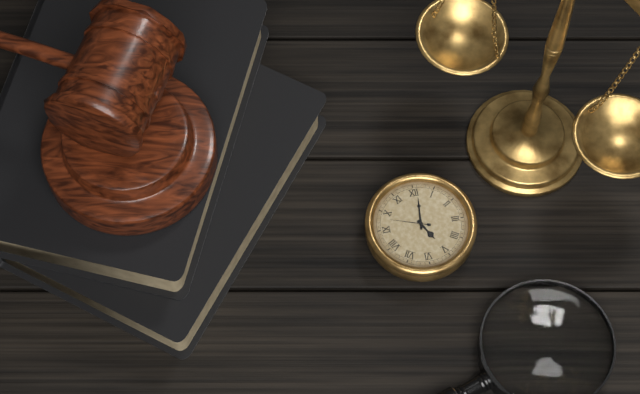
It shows h=5 m=1
